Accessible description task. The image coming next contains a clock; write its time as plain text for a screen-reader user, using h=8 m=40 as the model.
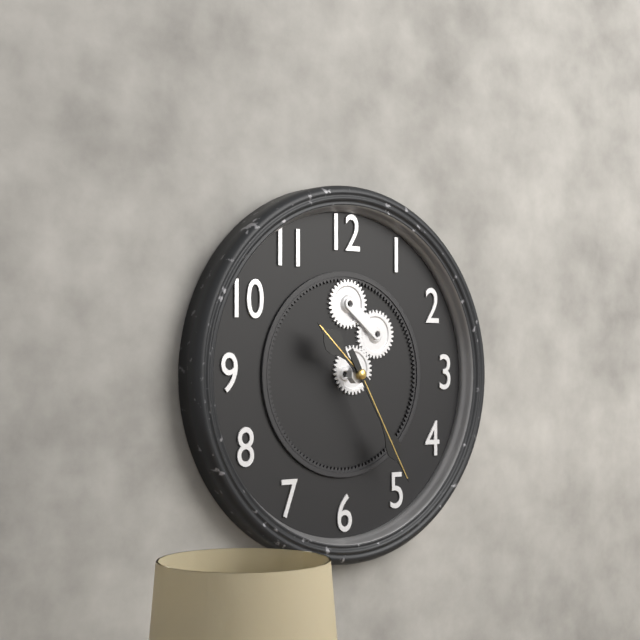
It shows h=10 m=25
